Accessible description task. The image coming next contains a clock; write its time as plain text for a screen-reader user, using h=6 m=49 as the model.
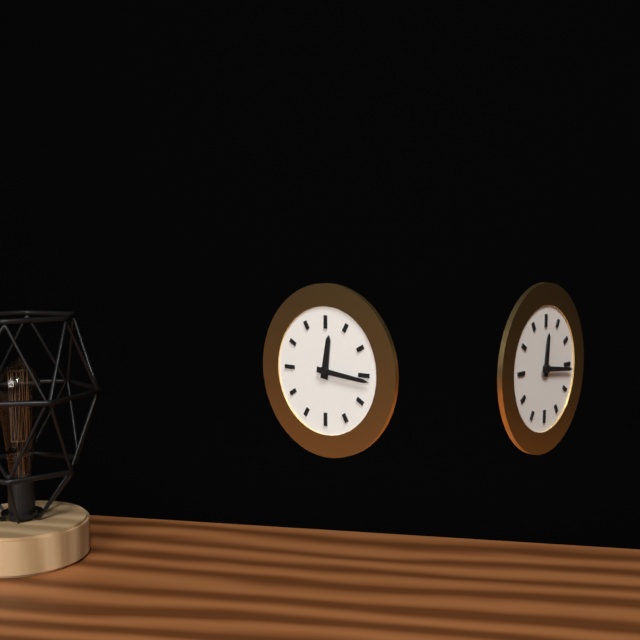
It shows h=12 m=16
